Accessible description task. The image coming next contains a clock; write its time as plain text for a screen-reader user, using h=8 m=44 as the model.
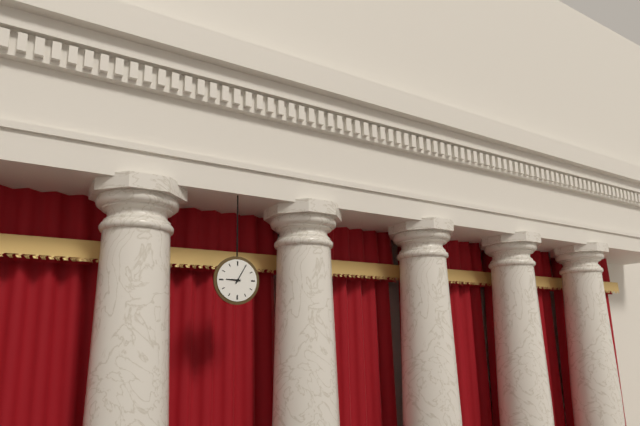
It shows h=9 m=5
